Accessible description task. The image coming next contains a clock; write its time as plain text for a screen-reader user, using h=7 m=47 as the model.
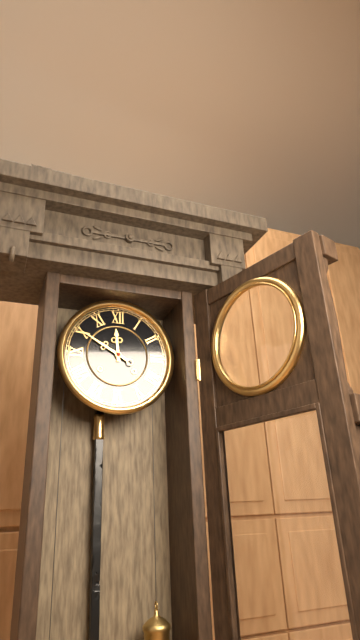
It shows h=11 m=50
